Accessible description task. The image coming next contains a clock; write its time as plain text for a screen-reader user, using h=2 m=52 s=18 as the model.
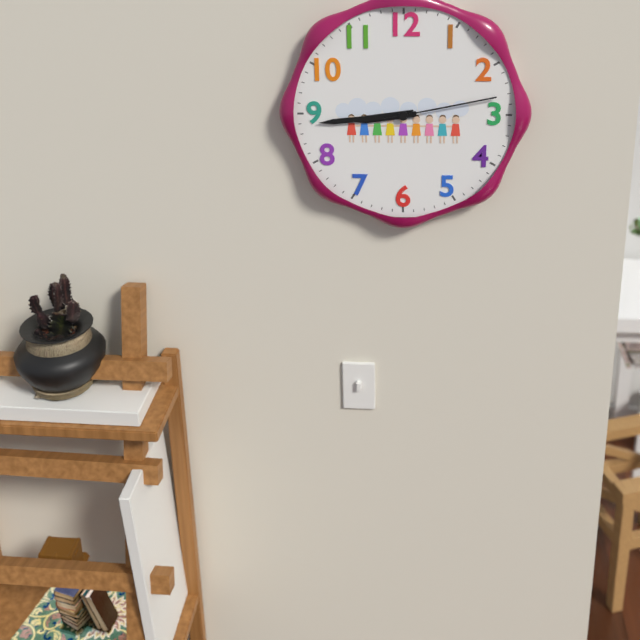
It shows h=8 m=44 s=13
